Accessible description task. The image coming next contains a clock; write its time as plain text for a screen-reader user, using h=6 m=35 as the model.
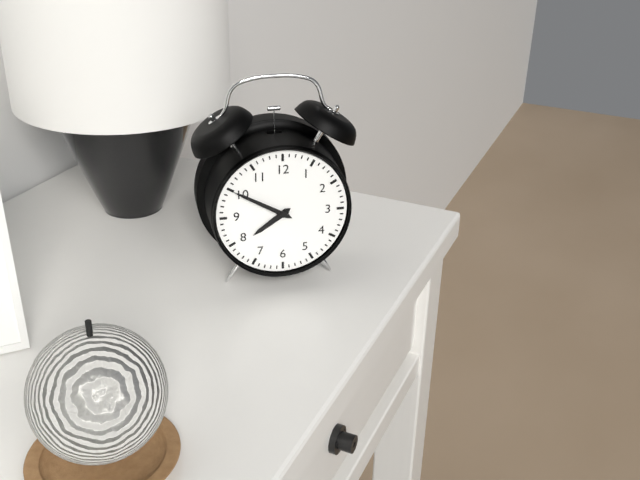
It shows h=7 m=50
